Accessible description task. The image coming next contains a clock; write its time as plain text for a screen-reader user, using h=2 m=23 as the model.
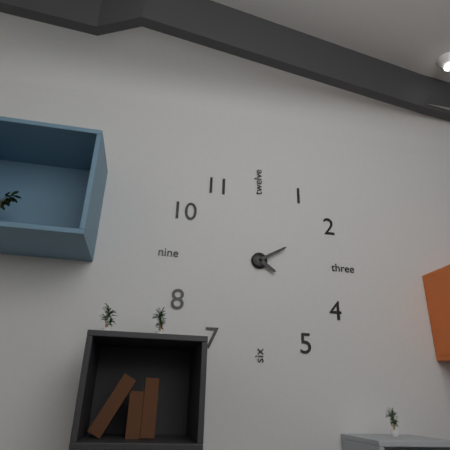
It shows h=4 m=10
